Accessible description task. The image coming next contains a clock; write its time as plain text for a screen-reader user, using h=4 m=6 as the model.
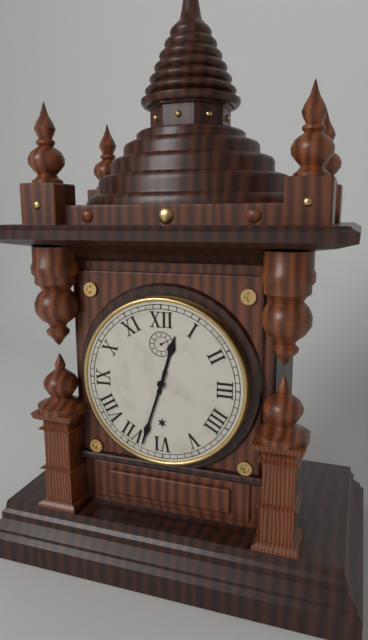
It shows h=12 m=33
